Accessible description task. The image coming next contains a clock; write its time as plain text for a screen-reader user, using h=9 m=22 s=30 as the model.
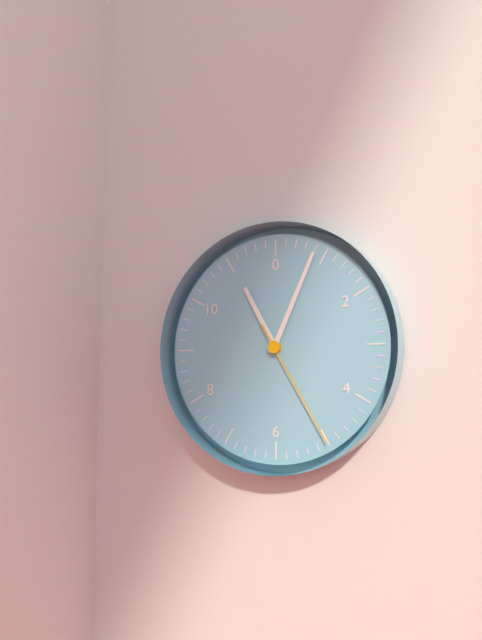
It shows h=11 m=4 s=25
